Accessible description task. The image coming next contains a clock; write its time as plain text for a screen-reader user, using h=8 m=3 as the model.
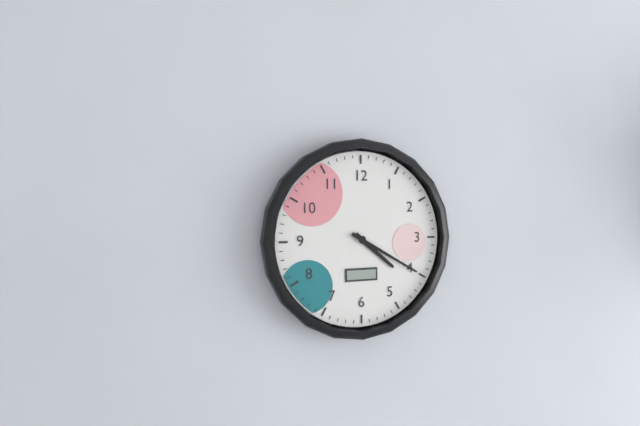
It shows h=4 m=20
